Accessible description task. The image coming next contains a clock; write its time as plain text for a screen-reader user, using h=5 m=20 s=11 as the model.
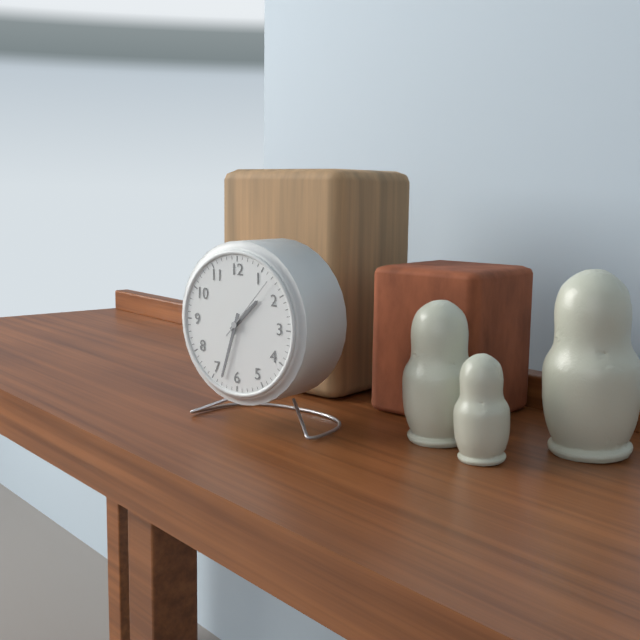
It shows h=1 m=33 s=7
